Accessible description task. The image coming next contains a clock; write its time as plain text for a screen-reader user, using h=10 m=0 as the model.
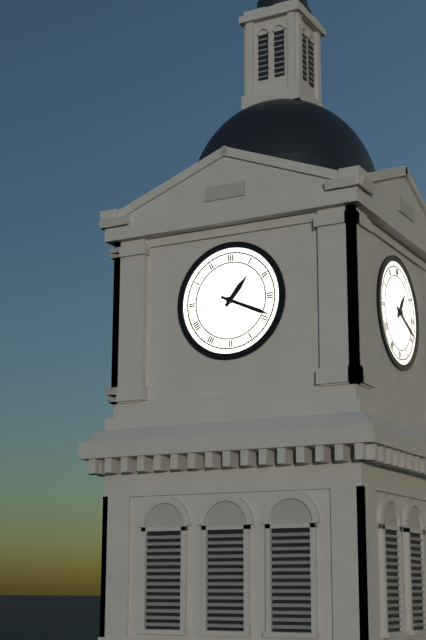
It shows h=1 m=19
